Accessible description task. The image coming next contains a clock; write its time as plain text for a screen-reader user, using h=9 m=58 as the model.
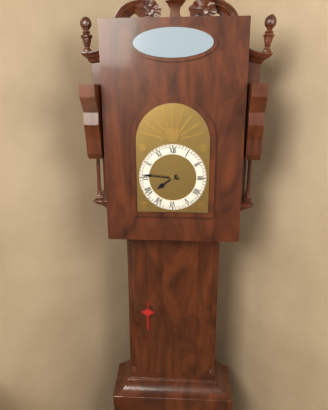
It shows h=7 m=46
